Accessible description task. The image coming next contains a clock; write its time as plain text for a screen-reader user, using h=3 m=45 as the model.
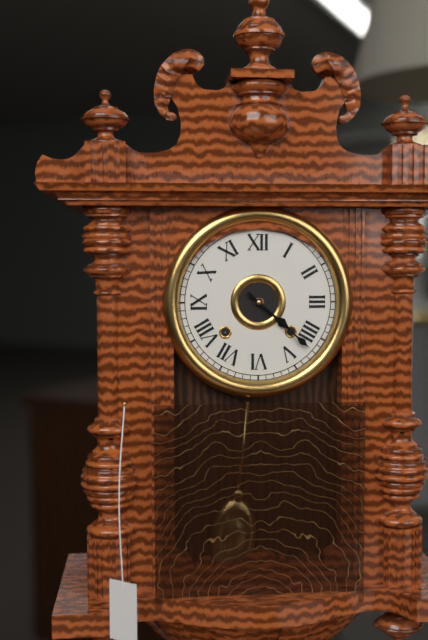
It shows h=4 m=22
